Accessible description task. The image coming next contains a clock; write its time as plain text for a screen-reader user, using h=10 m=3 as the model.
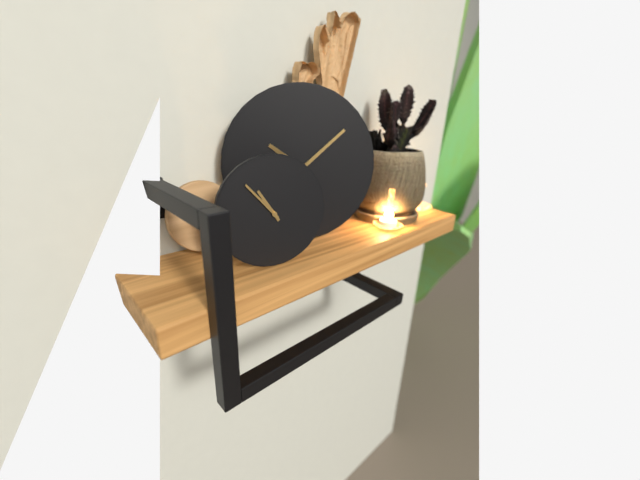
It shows h=10 m=53
